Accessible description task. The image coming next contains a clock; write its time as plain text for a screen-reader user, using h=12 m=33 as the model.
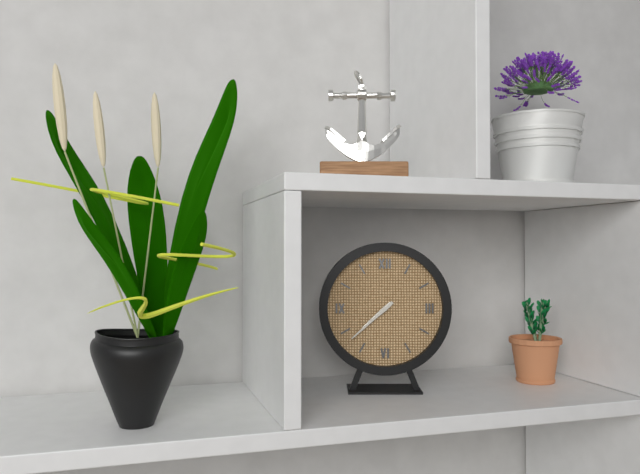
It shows h=7 m=38
